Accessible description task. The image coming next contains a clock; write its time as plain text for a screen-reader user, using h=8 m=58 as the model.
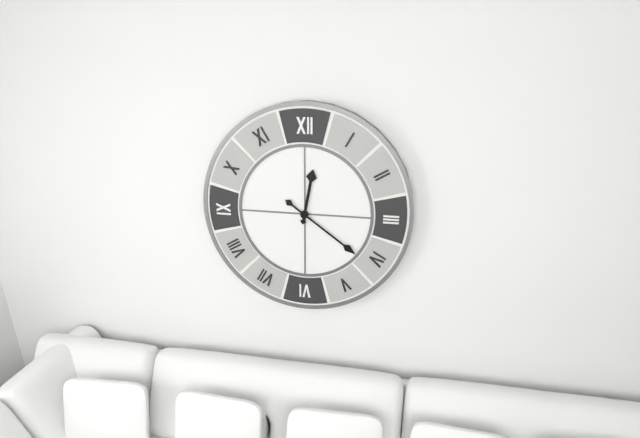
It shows h=12 m=21
